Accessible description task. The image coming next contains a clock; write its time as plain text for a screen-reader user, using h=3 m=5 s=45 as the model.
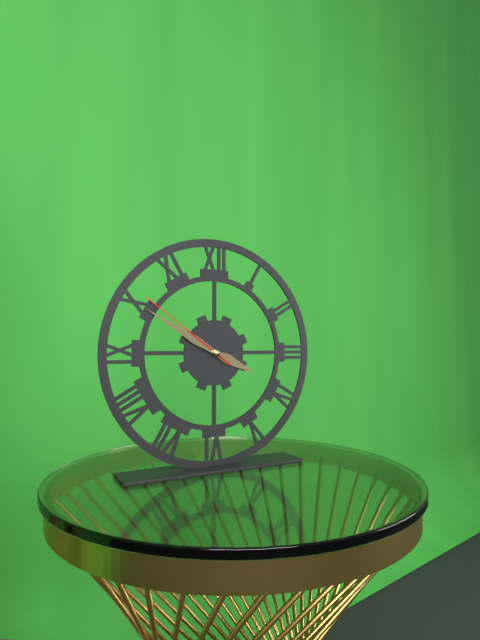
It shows h=3 m=50 s=51
